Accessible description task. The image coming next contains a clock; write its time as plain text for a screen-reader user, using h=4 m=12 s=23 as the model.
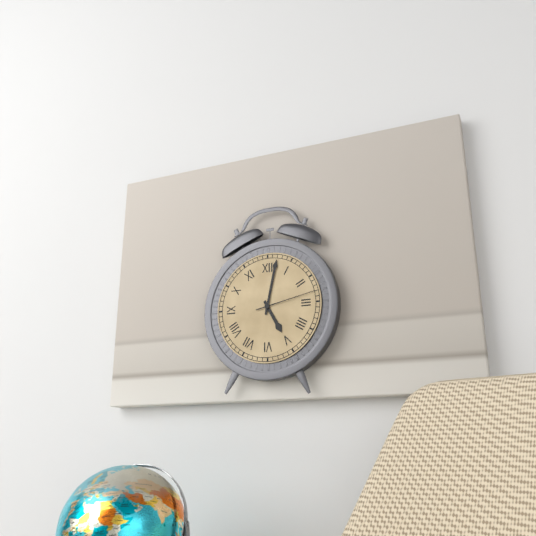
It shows h=5 m=2 s=13
